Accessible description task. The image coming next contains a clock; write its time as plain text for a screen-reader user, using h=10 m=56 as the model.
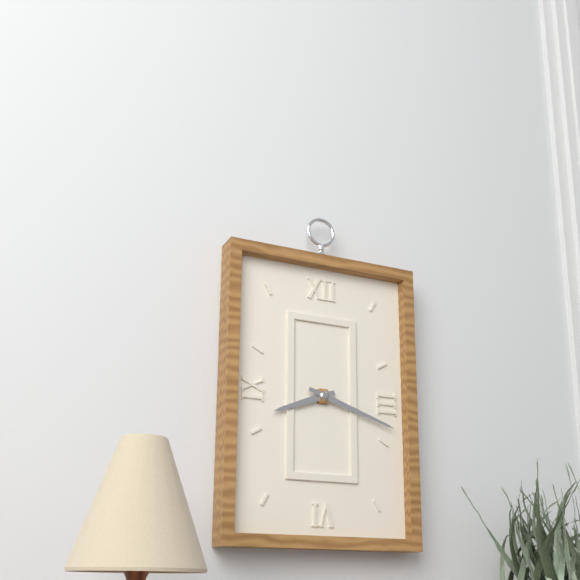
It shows h=8 m=18
